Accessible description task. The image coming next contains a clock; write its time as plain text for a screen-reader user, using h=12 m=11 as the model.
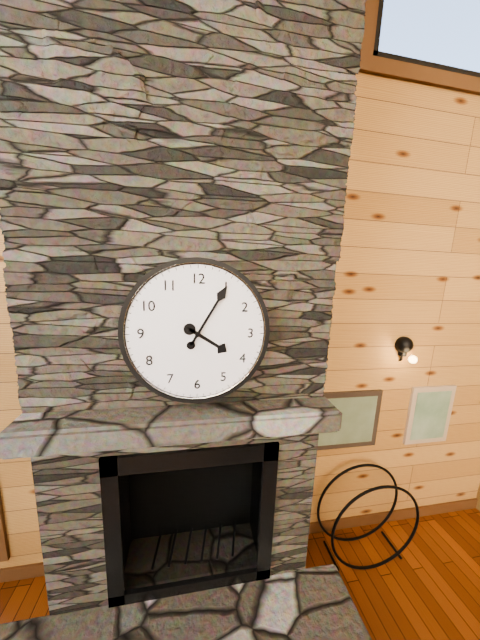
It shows h=4 m=5
